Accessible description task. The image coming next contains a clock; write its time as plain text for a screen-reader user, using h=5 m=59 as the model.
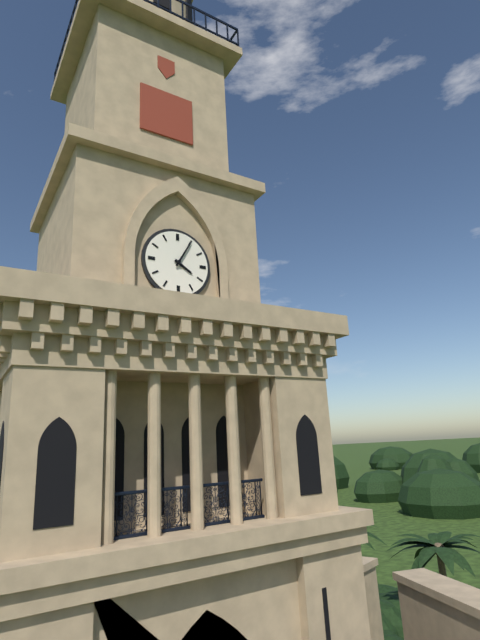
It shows h=4 m=5
